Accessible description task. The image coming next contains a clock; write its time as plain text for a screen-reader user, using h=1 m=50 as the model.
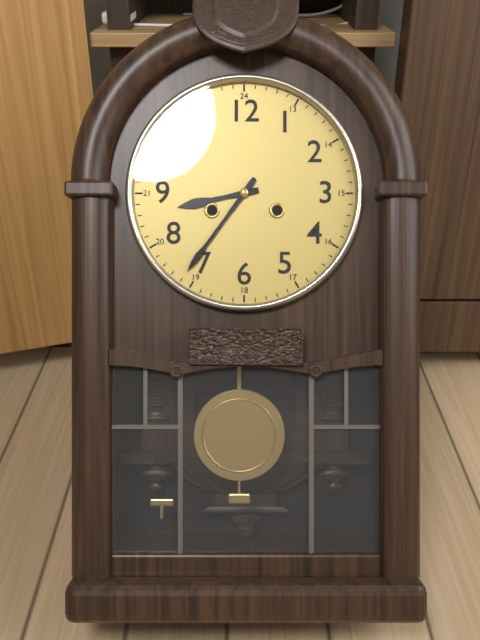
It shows h=8 m=36
